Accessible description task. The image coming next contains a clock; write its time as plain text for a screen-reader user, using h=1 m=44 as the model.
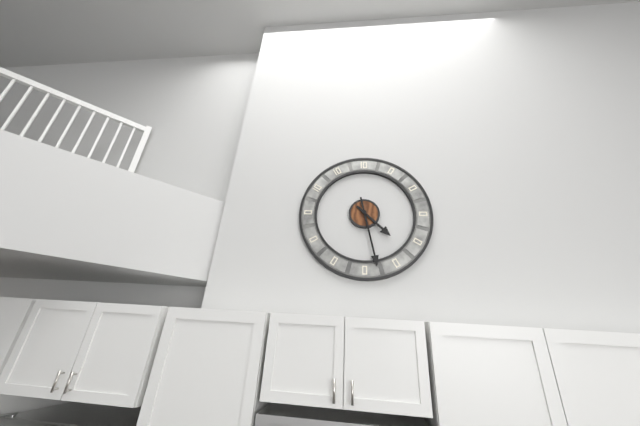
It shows h=4 m=28
